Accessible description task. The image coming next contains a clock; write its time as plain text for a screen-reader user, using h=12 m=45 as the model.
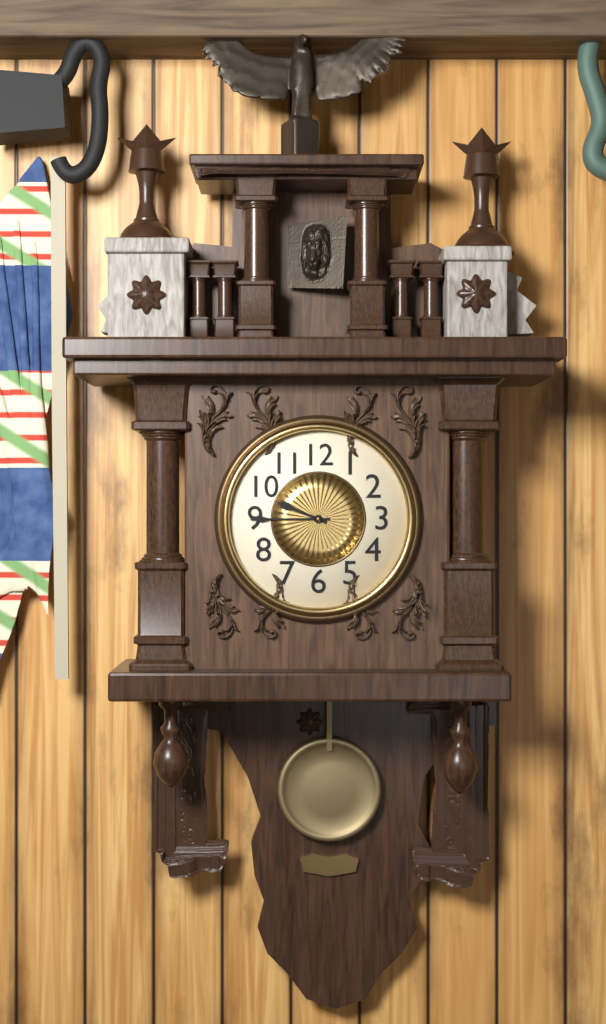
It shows h=9 m=45
